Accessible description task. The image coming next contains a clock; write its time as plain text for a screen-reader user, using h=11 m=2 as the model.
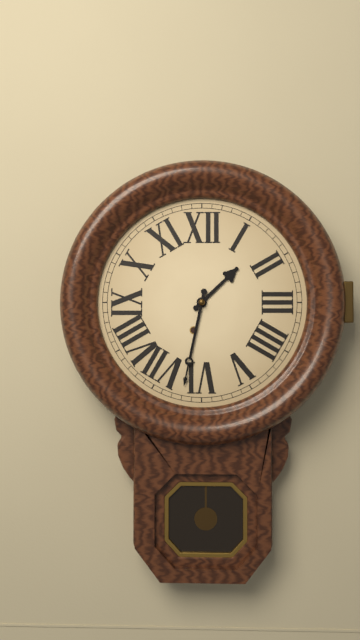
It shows h=1 m=32
